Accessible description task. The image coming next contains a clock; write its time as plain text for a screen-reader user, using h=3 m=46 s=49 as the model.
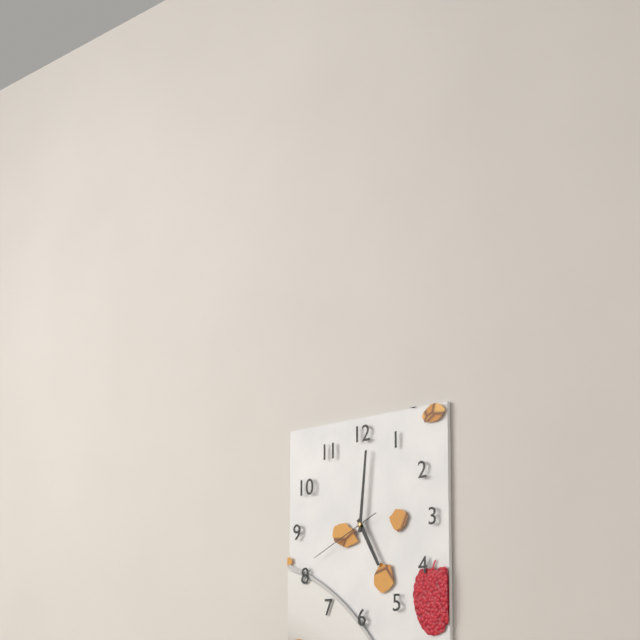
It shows h=5 m=1 s=41
